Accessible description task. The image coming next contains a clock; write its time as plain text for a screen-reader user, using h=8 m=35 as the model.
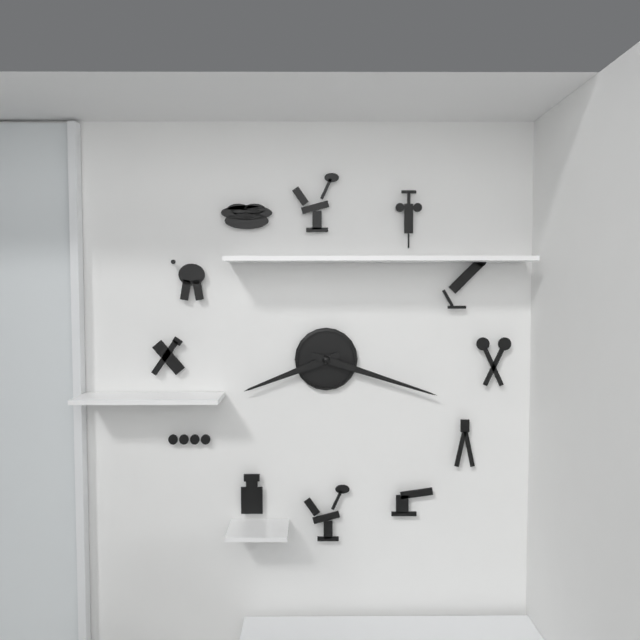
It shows h=8 m=18
